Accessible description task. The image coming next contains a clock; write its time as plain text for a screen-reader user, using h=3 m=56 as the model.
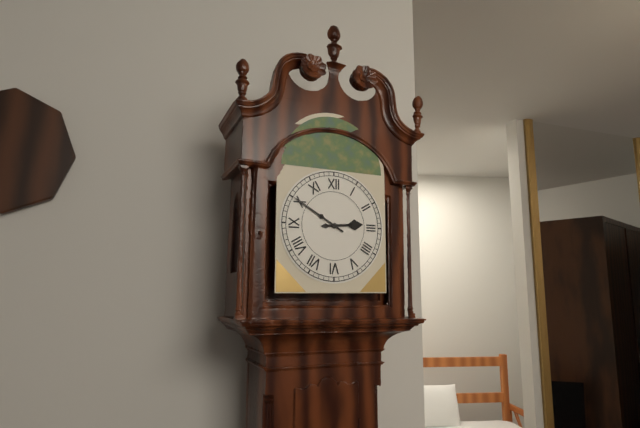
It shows h=2 m=50
